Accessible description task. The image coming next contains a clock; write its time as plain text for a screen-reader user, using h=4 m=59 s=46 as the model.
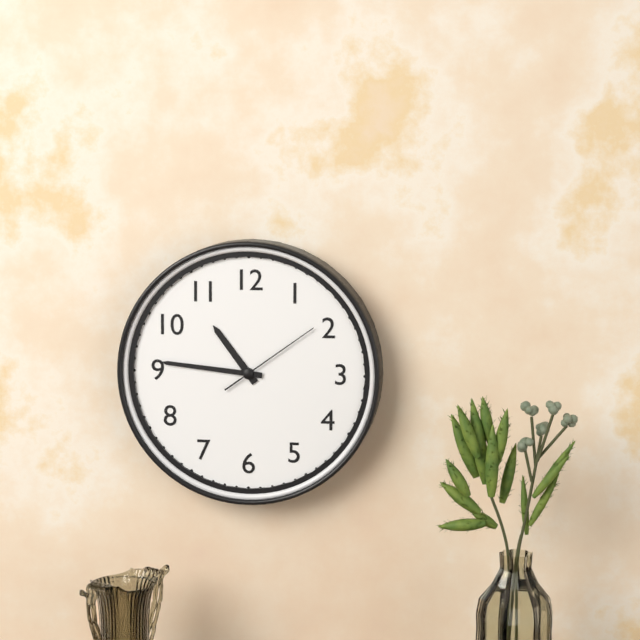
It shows h=10 m=46 s=9
